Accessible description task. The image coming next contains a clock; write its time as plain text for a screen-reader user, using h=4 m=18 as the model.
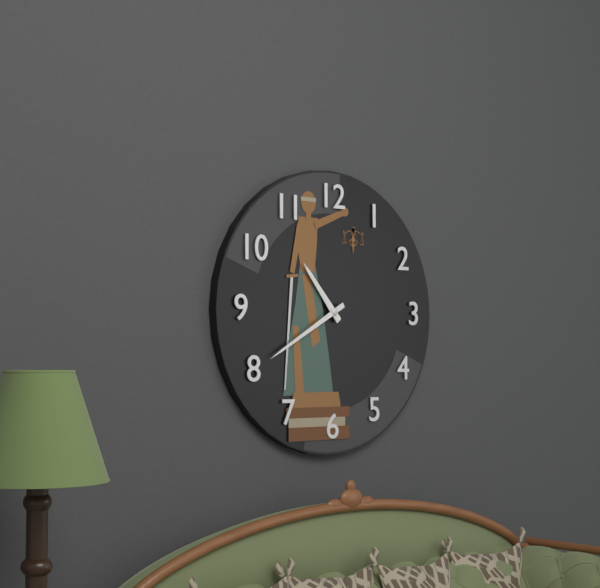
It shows h=10 m=40
